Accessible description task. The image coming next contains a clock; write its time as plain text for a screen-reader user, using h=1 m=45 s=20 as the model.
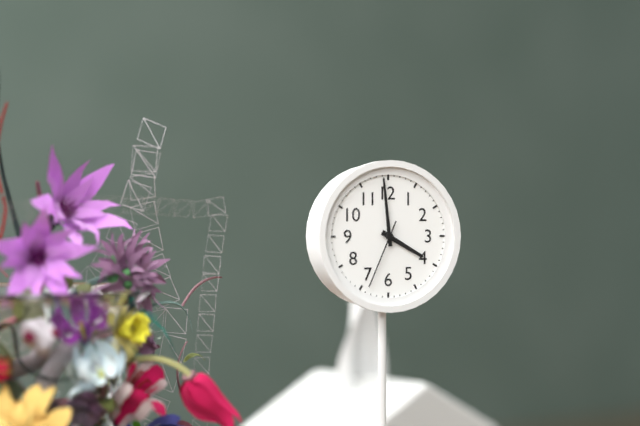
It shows h=3 m=59 s=34
